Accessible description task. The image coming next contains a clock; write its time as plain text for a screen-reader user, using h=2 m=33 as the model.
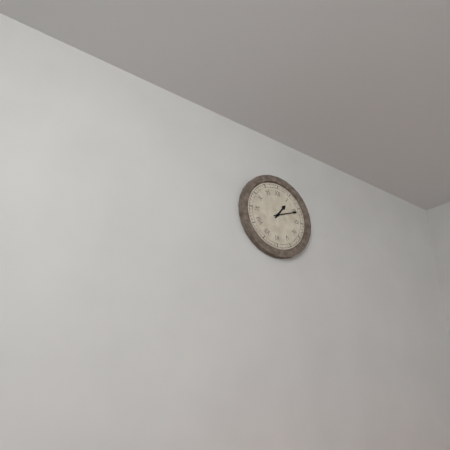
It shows h=1 m=11
